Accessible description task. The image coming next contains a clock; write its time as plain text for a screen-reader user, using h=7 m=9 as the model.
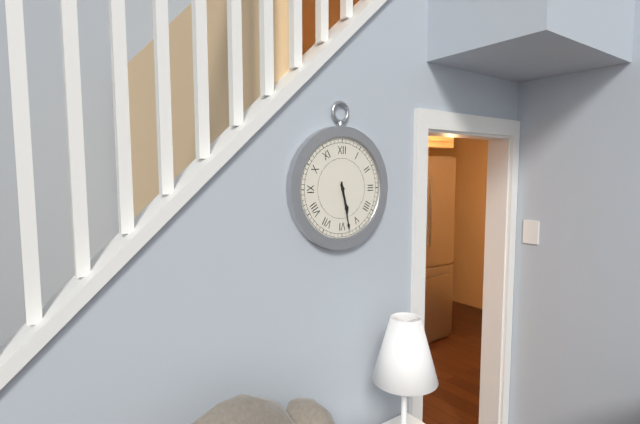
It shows h=5 m=28
